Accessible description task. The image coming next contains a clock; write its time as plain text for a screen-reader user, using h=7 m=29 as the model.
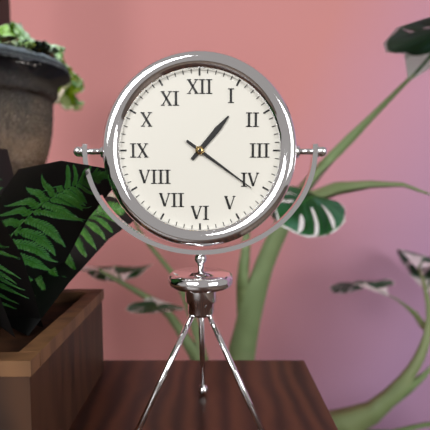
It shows h=1 m=21
